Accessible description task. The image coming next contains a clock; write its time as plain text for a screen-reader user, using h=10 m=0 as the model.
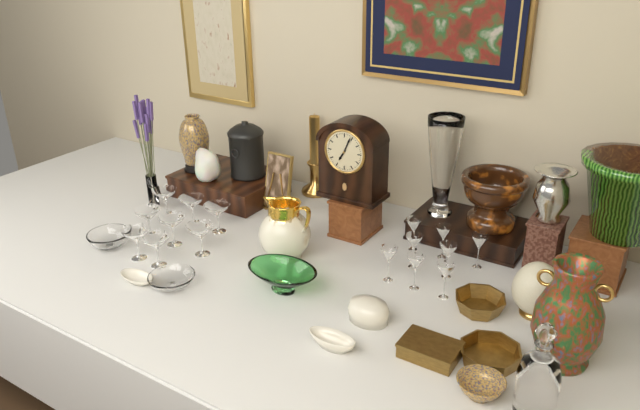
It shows h=7 m=4
